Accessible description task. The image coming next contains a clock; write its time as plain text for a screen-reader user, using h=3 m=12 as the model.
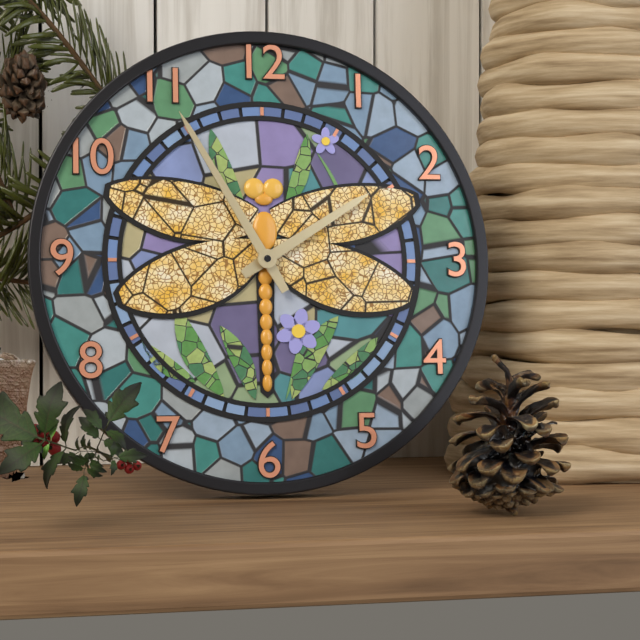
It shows h=1 m=55
